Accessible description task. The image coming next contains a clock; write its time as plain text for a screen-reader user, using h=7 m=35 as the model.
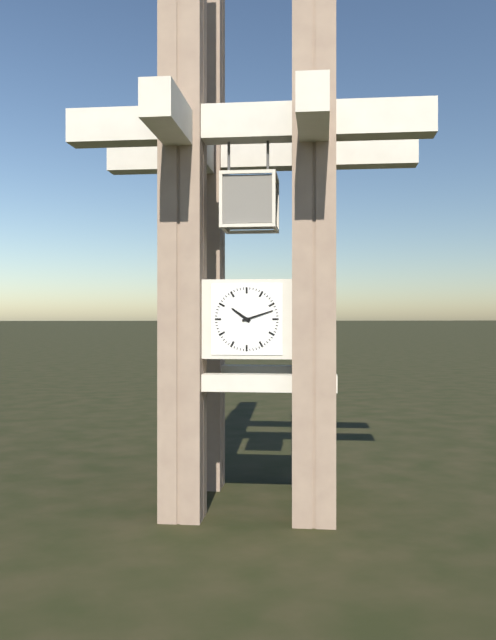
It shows h=10 m=12
